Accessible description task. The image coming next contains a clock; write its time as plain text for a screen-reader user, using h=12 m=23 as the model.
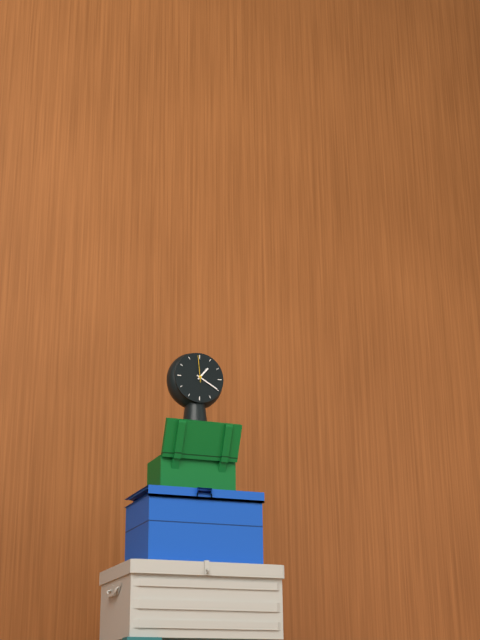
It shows h=1 m=20
